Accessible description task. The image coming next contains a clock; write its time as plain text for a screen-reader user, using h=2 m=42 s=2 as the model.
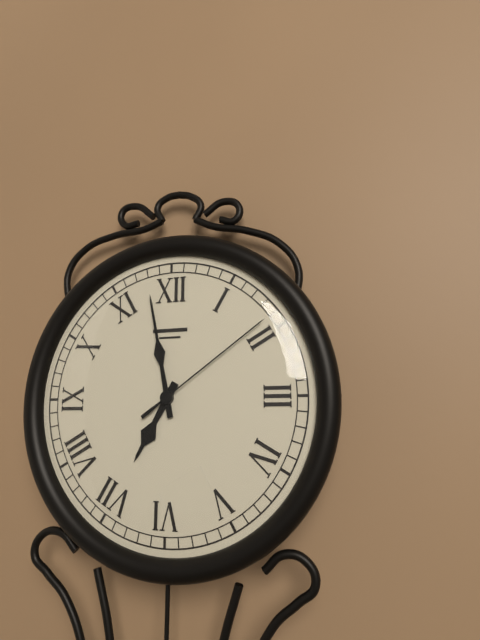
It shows h=6 m=58 s=9
